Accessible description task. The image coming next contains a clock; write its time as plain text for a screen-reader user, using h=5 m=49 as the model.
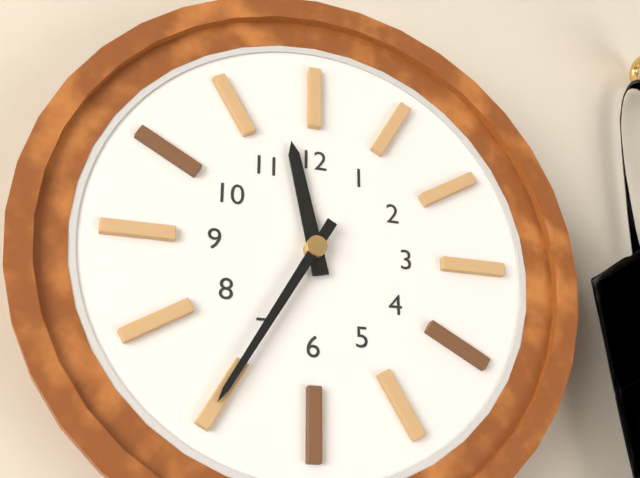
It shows h=11 m=35
